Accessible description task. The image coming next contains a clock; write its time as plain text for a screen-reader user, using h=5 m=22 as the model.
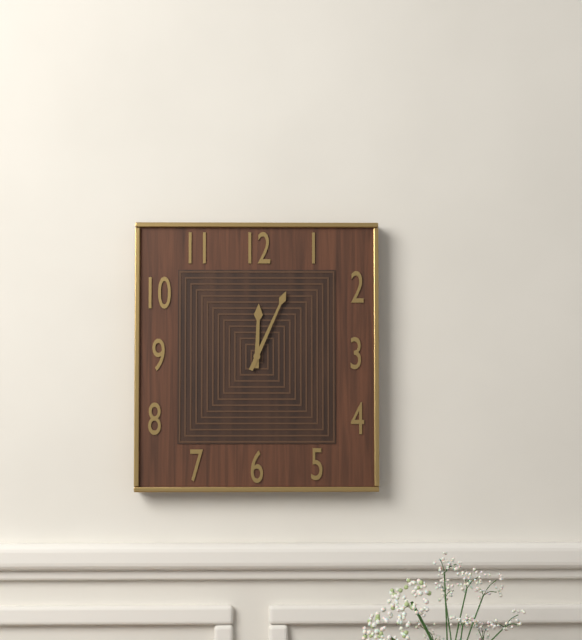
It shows h=12 m=4
